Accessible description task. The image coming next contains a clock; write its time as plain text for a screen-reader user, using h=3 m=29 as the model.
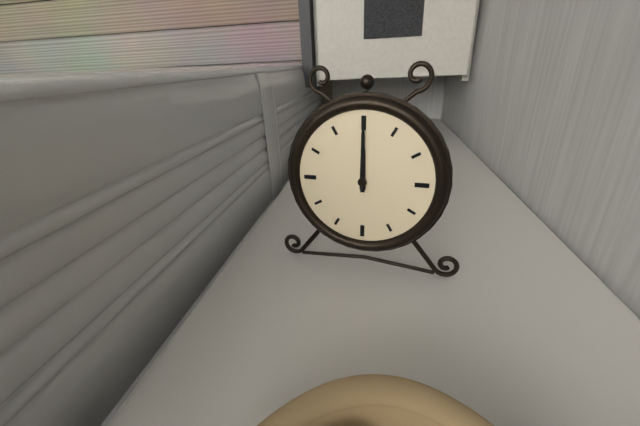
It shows h=12 m=0
